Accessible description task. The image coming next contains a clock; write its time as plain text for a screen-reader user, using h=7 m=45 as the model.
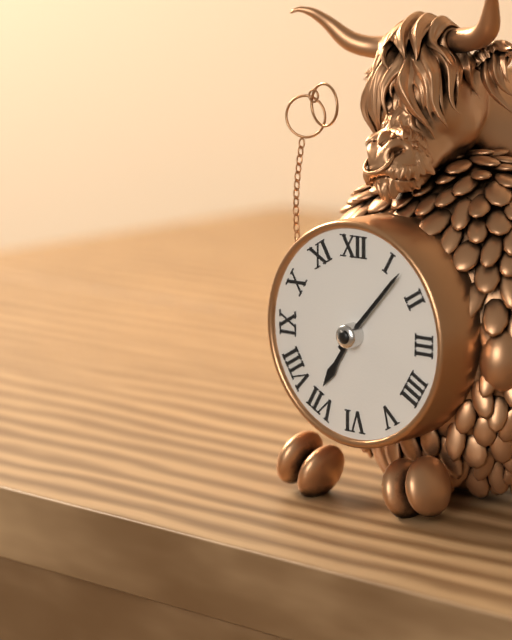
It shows h=7 m=7
